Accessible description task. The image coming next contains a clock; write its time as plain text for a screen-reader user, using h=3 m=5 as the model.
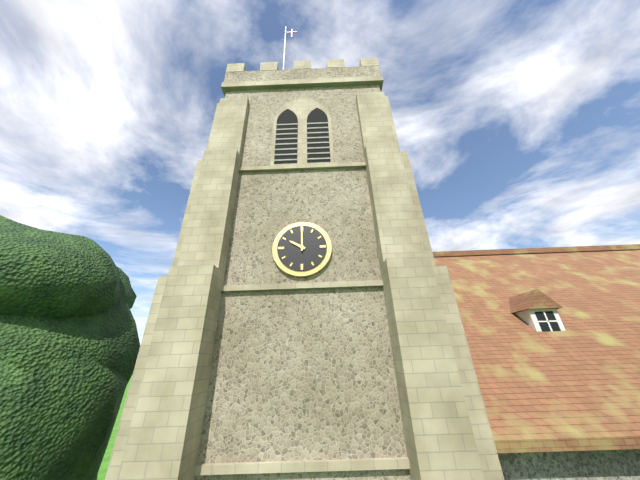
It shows h=10 m=0
